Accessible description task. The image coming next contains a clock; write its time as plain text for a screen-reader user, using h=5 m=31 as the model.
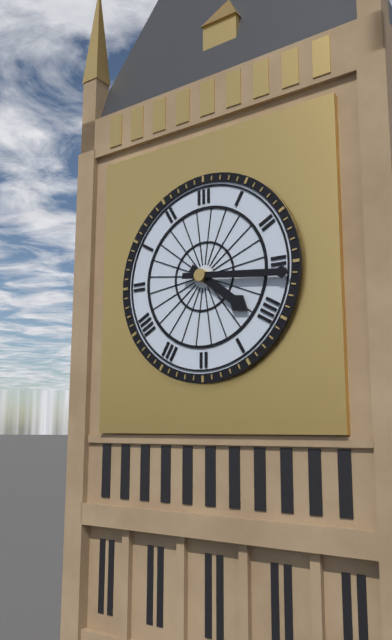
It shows h=4 m=16
